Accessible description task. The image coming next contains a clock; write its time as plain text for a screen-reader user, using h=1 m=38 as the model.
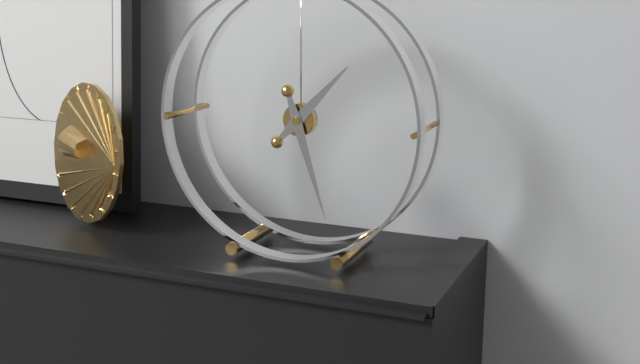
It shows h=1 m=27
